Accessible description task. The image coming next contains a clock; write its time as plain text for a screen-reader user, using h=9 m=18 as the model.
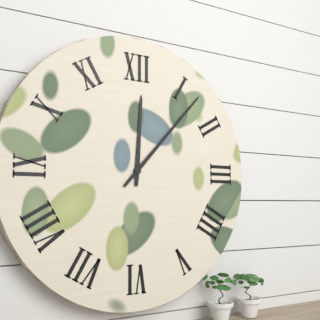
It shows h=12 m=7
